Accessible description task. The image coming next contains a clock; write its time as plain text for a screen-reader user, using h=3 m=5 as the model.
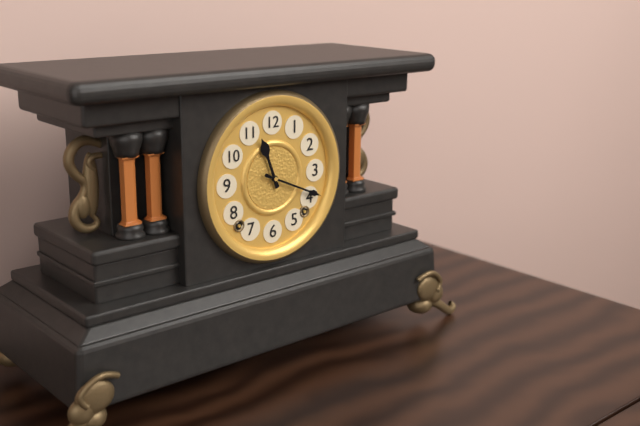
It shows h=11 m=19
